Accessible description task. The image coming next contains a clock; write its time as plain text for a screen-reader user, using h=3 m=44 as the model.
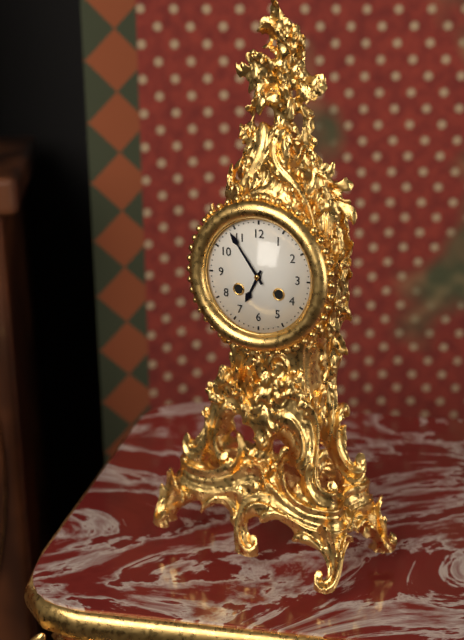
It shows h=6 m=54
